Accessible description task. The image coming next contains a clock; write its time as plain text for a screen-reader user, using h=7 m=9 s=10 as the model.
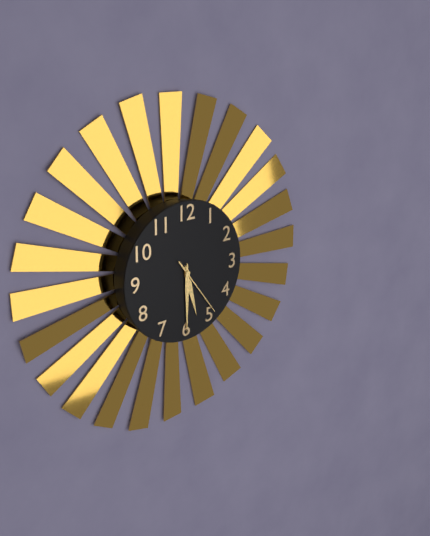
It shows h=5 m=30 s=24
